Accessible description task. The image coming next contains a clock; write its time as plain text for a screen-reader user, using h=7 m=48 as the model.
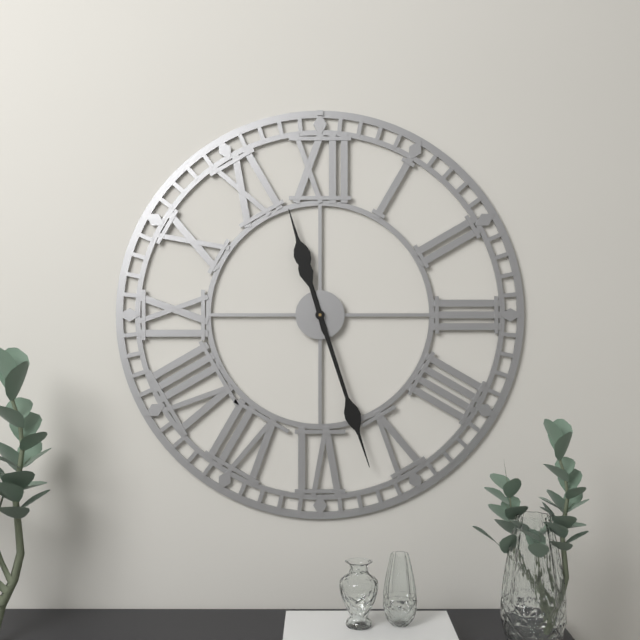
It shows h=11 m=27
